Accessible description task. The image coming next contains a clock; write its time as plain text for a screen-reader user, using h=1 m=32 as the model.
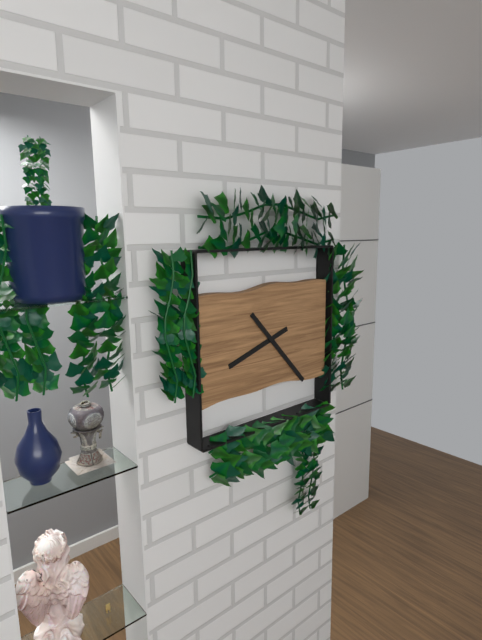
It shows h=8 m=23
